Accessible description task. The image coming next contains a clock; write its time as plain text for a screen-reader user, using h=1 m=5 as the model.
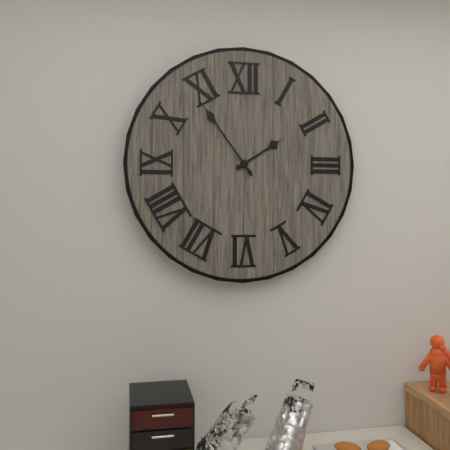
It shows h=1 m=54
